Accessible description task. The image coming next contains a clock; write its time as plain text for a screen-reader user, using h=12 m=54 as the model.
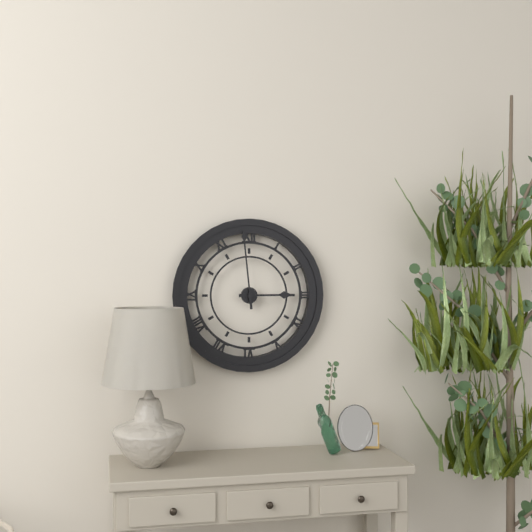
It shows h=2 m=59
